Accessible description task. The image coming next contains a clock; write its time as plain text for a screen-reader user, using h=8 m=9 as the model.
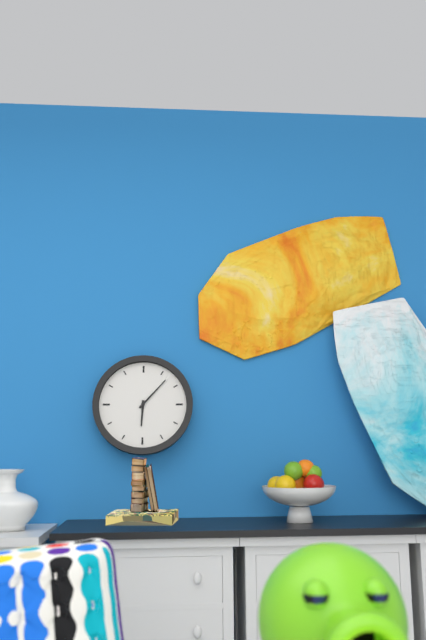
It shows h=6 m=7
